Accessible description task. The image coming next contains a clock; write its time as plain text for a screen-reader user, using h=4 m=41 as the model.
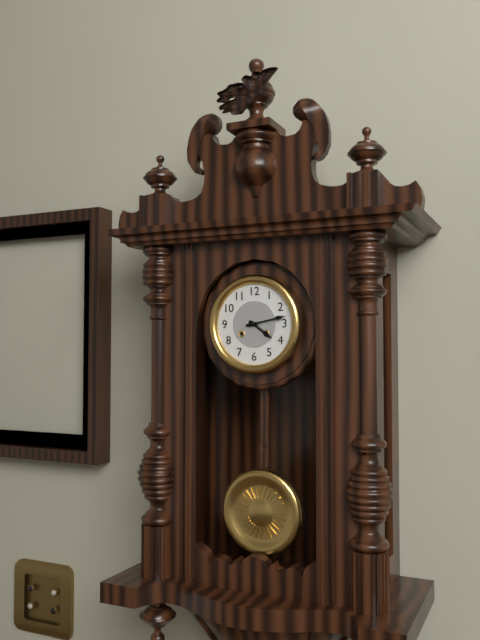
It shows h=4 m=13
